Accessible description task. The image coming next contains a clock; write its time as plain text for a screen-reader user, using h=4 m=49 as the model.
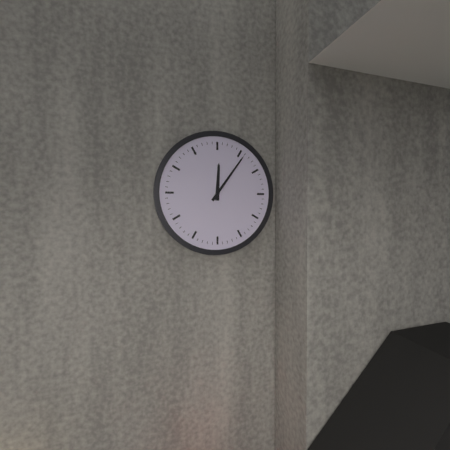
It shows h=12 m=6
